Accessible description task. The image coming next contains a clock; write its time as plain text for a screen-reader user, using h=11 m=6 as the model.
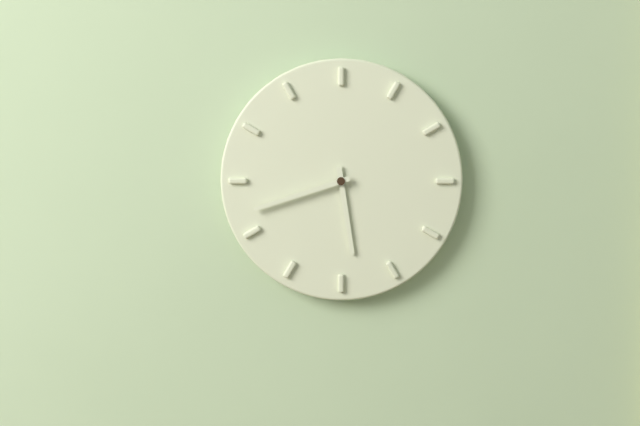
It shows h=5 m=42
